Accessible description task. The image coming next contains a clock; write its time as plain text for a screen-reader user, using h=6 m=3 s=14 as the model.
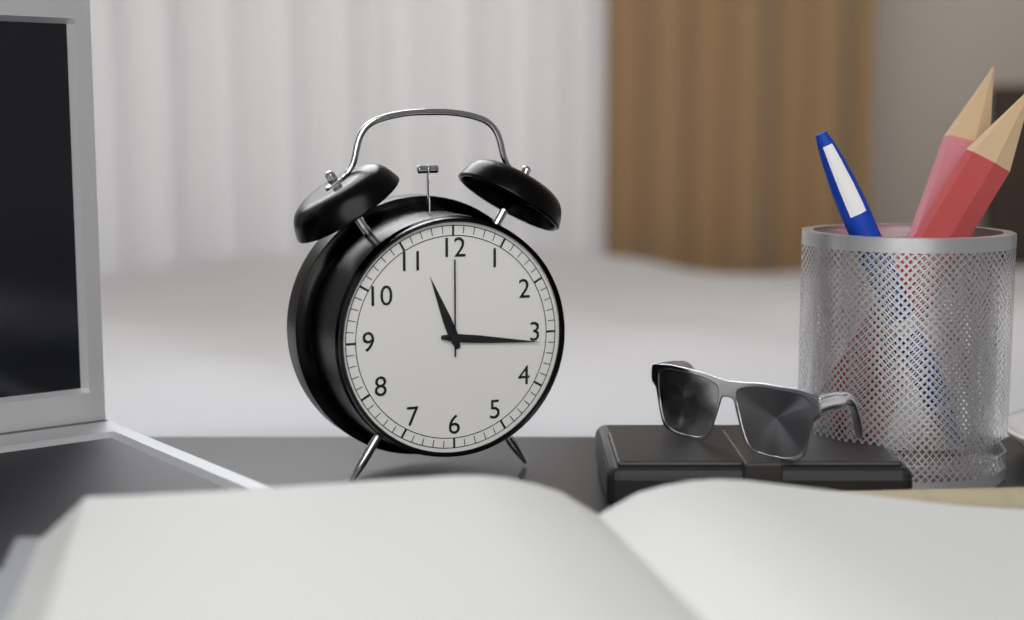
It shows h=11 m=16 s=0
